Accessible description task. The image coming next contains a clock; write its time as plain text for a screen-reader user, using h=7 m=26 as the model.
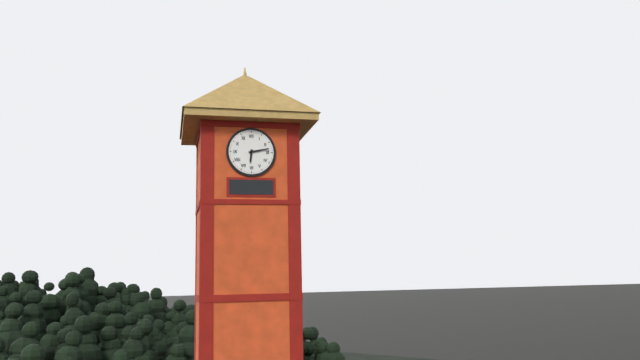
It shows h=6 m=13
